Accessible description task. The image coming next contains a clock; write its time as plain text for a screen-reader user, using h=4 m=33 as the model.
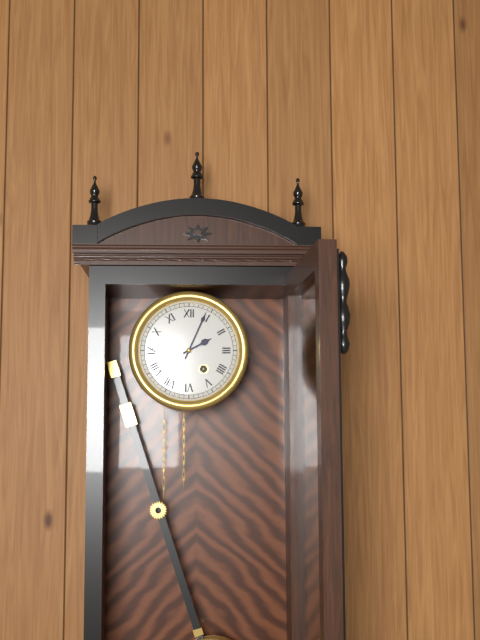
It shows h=2 m=4
